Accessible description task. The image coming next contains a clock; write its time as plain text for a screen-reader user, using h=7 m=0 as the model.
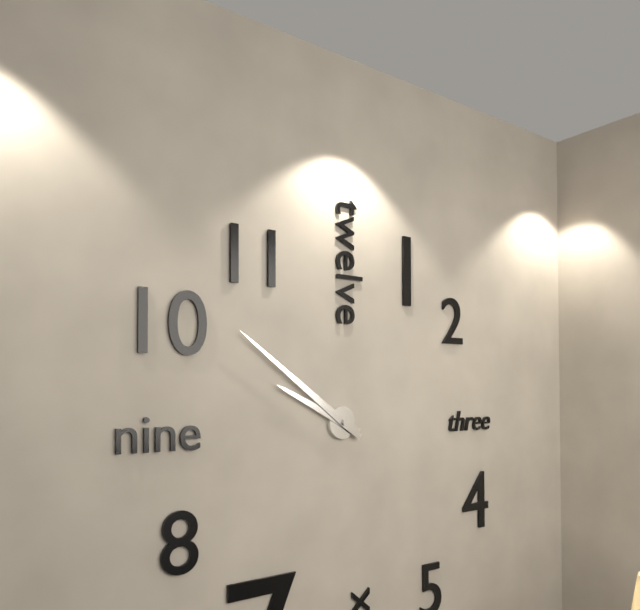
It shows h=9 m=51
